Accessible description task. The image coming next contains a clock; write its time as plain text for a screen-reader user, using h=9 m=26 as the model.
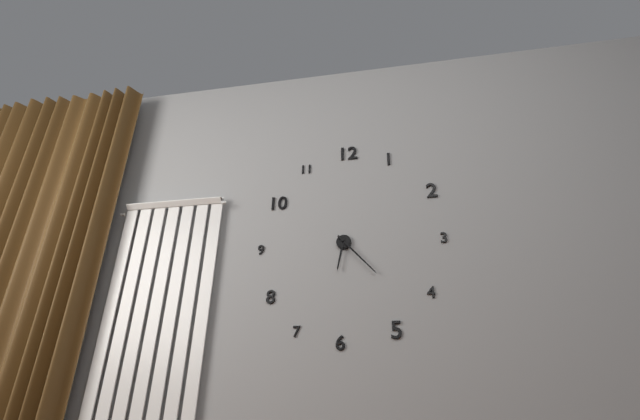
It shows h=6 m=23
